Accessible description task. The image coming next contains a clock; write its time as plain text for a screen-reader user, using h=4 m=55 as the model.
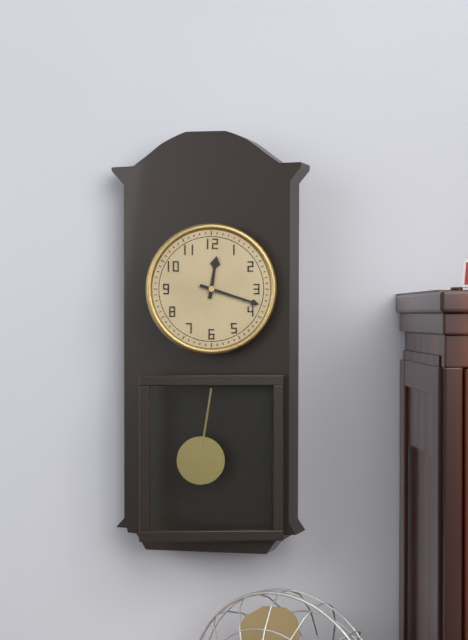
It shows h=12 m=18
